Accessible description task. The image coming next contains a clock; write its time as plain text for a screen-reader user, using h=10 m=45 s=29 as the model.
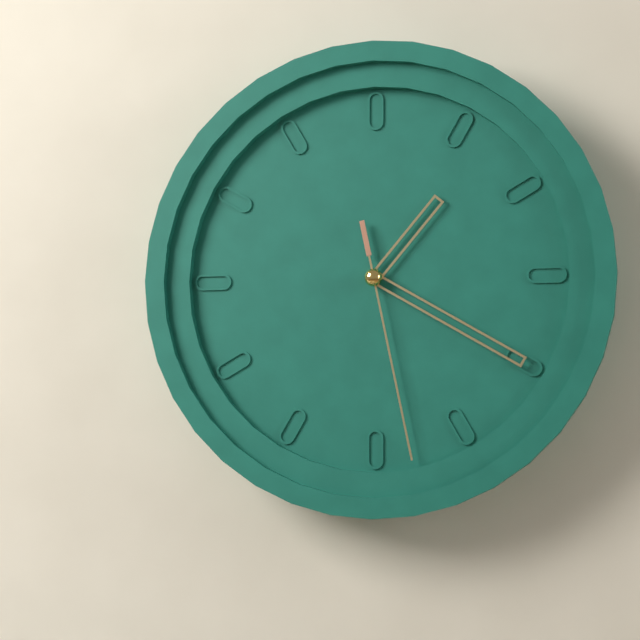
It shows h=1 m=20 s=28
